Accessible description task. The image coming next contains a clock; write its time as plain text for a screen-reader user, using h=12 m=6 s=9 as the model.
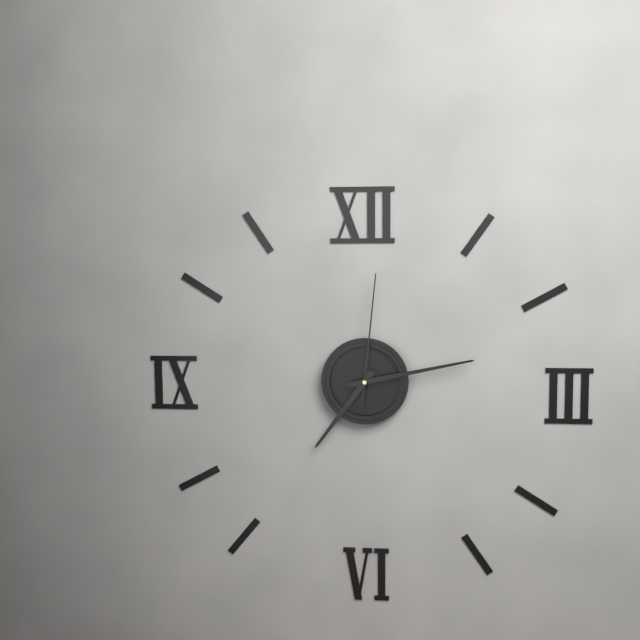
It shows h=7 m=13 s=1
